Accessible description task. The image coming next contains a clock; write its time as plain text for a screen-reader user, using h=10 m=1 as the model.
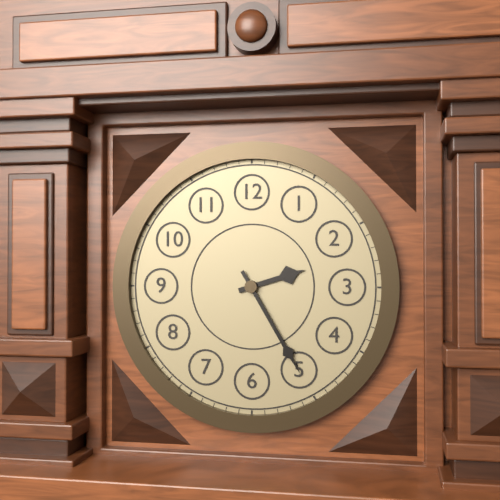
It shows h=2 m=25
